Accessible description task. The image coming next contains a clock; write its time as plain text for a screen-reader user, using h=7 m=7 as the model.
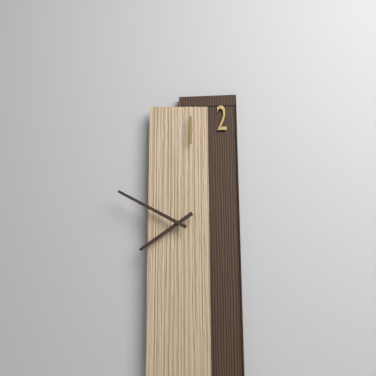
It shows h=7 m=50
